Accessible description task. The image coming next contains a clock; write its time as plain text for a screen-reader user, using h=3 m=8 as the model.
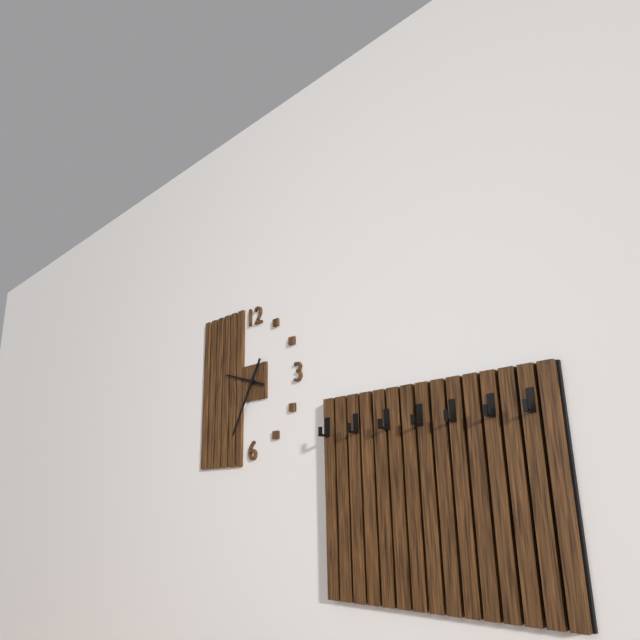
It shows h=9 m=35
